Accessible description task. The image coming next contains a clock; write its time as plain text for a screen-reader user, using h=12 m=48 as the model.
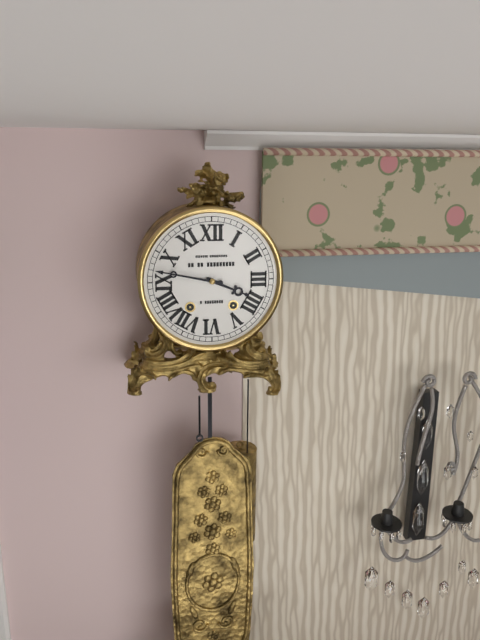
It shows h=3 m=47
